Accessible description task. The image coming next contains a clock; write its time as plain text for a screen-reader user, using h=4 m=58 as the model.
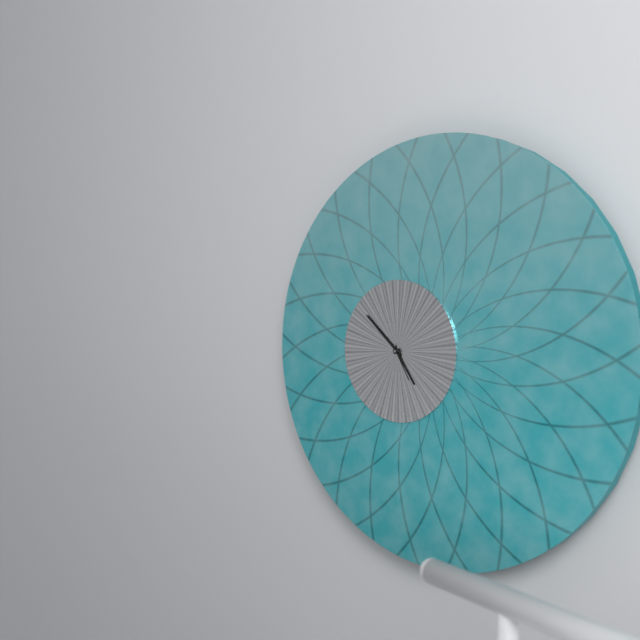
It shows h=4 m=52
